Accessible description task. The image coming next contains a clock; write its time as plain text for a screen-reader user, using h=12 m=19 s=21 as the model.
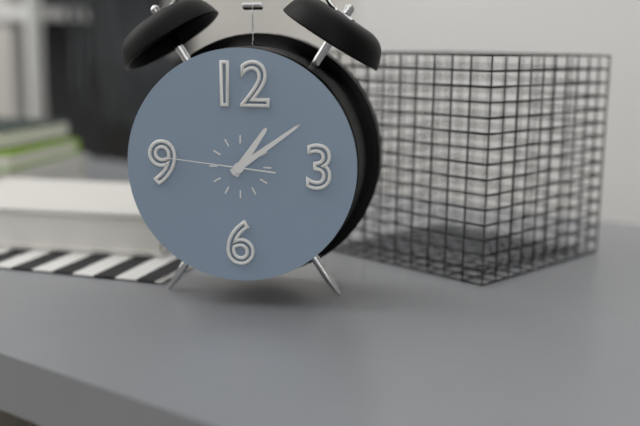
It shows h=1 m=9 s=46
